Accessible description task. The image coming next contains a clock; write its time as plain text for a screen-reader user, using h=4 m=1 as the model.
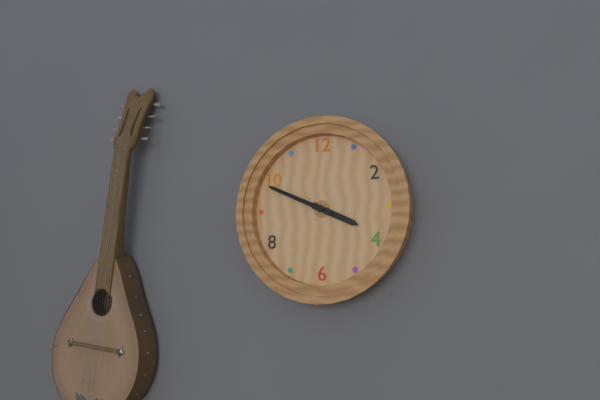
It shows h=3 m=49
